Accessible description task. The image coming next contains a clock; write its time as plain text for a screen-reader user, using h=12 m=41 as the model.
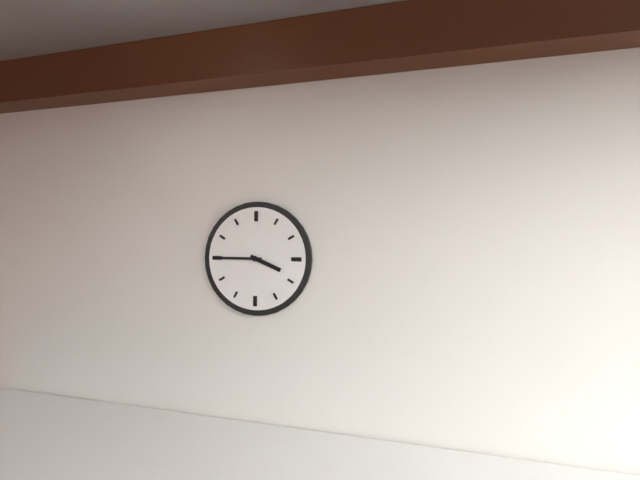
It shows h=3 m=45
